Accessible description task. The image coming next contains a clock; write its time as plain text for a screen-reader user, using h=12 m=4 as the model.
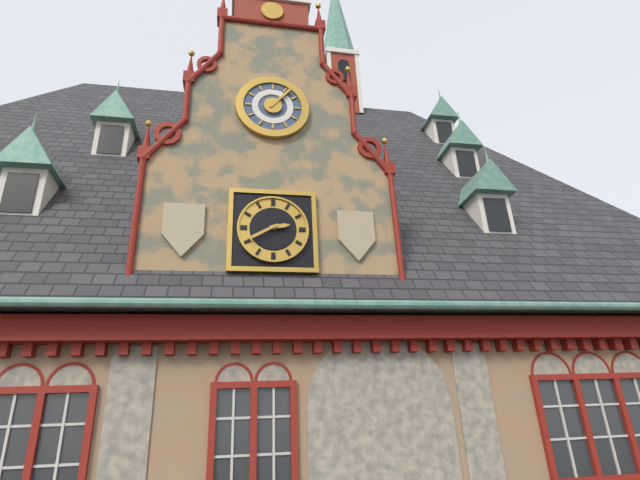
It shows h=2 m=40
